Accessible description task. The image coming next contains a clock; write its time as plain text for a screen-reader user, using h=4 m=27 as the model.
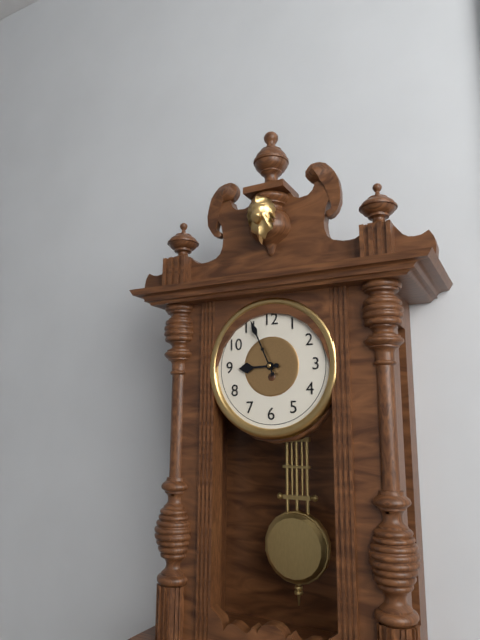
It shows h=8 m=56
